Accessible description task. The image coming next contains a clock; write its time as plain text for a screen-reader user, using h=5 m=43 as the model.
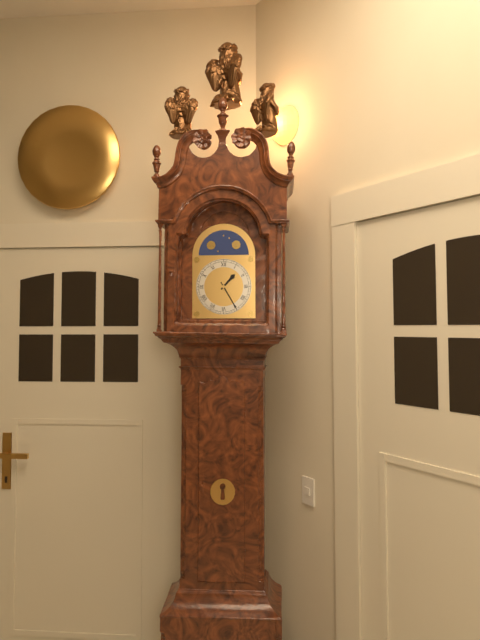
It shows h=1 m=25
